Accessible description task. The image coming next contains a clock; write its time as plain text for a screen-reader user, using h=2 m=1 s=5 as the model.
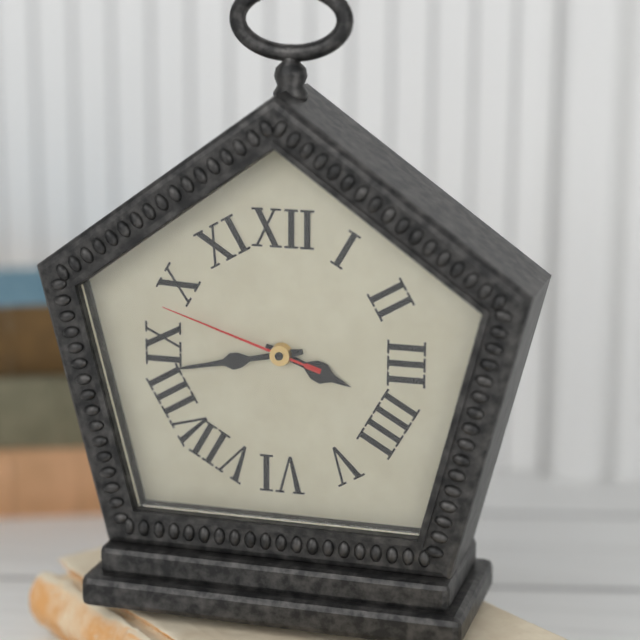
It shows h=3 m=43 s=48
